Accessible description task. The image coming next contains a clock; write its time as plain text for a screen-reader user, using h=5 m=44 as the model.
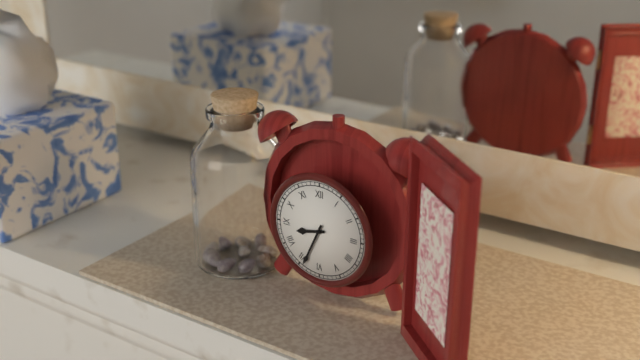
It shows h=8 m=34
